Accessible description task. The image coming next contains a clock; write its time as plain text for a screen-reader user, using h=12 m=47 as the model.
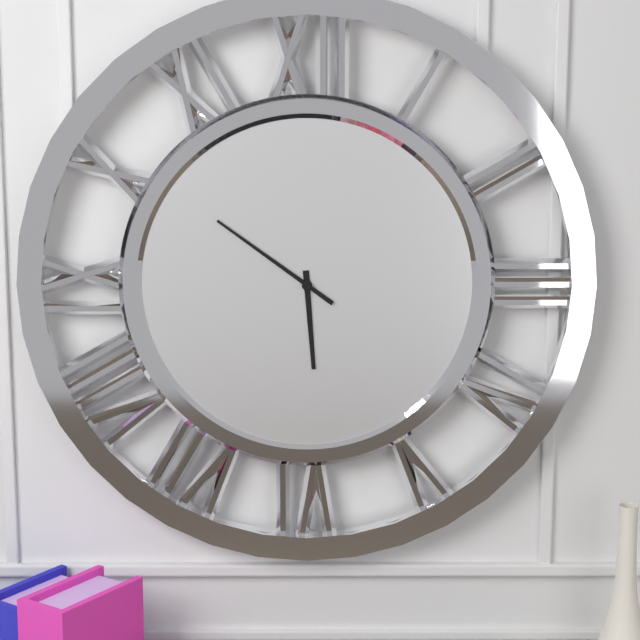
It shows h=5 m=51
